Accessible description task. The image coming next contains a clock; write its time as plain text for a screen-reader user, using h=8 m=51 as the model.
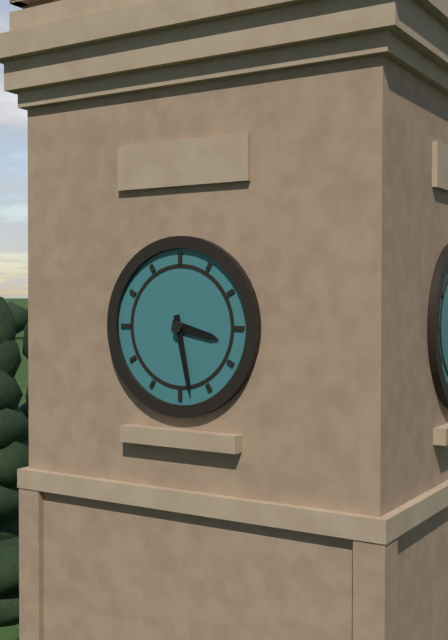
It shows h=3 m=28
